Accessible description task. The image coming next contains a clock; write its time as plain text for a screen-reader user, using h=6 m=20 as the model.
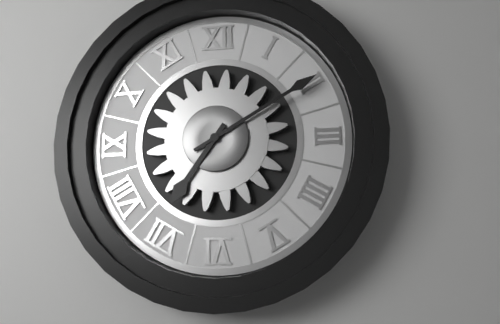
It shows h=7 m=10
